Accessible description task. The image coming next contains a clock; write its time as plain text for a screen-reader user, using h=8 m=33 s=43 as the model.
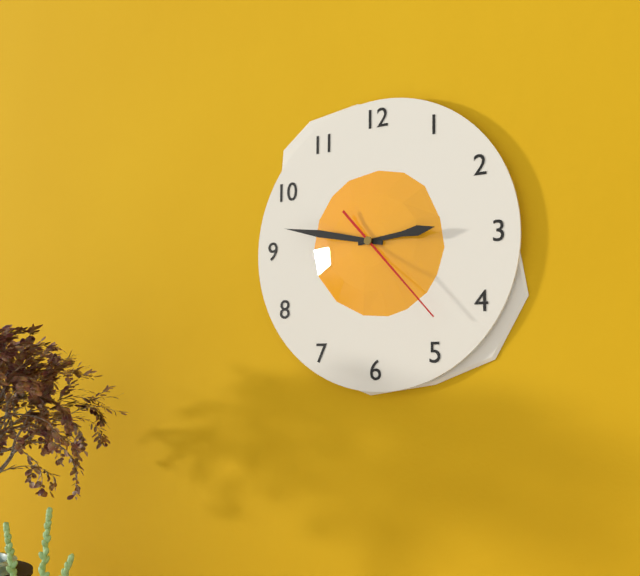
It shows h=2 m=47 s=23
